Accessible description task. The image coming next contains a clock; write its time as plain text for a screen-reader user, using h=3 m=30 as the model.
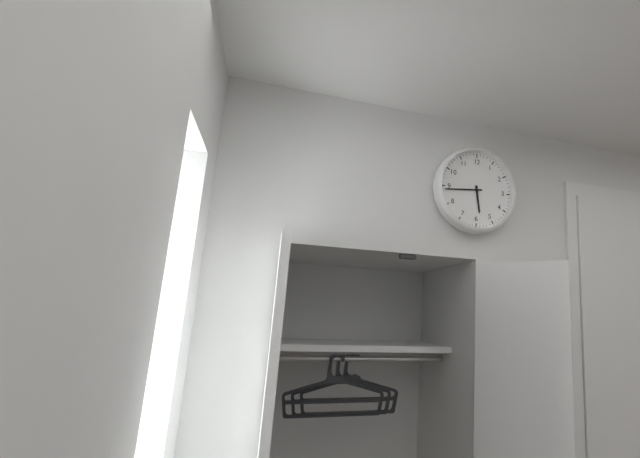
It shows h=5 m=44
